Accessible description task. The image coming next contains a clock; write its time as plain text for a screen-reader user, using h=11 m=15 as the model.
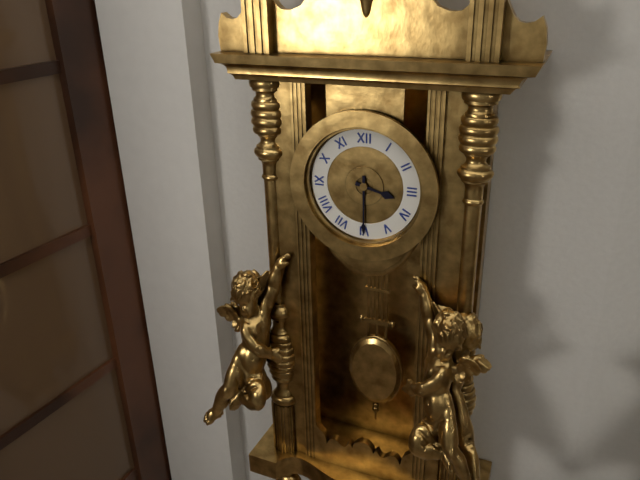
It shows h=3 m=30
